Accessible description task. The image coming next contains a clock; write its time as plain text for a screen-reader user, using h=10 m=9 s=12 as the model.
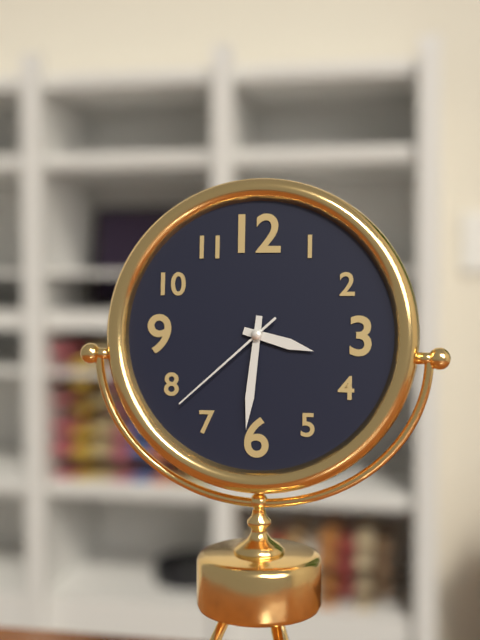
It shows h=3 m=31 s=38
